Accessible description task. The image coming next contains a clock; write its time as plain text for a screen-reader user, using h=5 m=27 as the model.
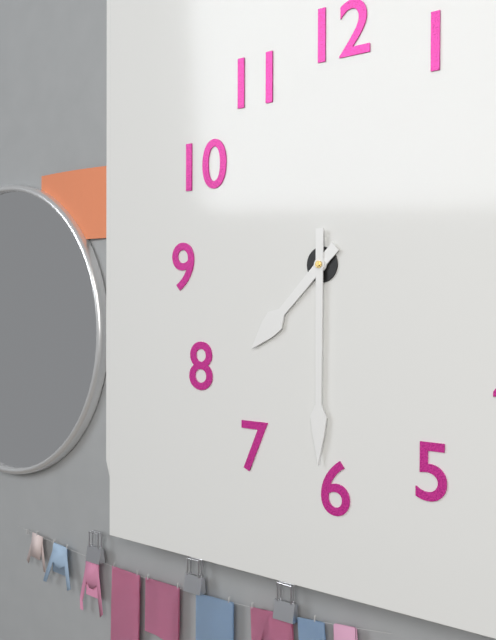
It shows h=7 m=30
